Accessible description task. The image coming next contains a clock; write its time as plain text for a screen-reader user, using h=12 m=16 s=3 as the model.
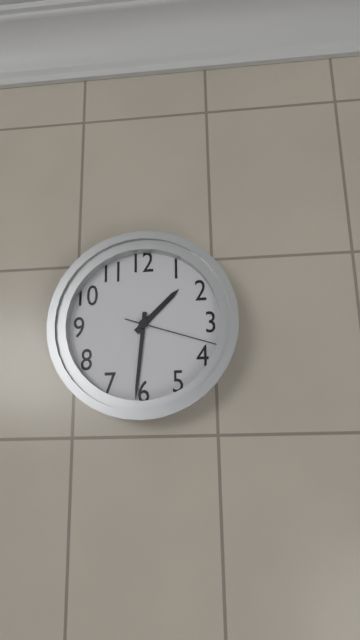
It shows h=1 m=31 s=18
